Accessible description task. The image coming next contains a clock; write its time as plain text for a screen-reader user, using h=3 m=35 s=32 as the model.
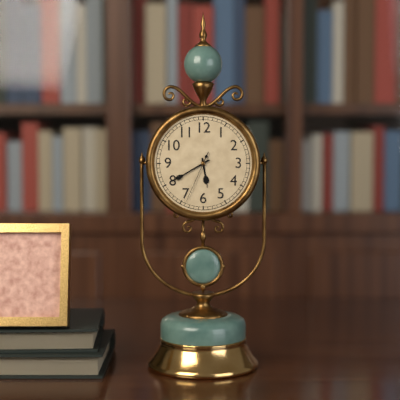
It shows h=5 m=40 s=34
